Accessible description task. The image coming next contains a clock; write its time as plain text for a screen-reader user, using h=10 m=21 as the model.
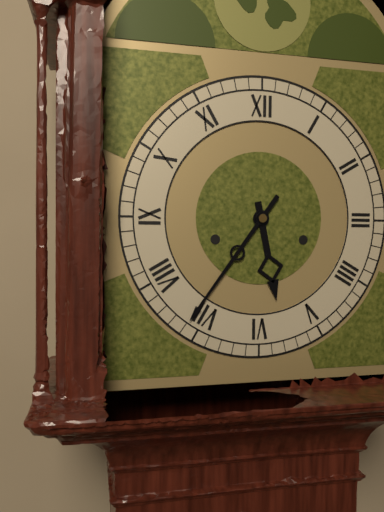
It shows h=5 m=36
